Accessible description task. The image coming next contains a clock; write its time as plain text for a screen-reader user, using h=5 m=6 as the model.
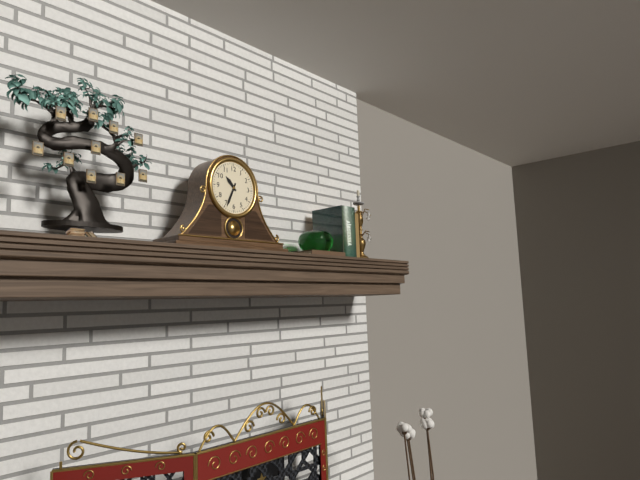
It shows h=10 m=34
